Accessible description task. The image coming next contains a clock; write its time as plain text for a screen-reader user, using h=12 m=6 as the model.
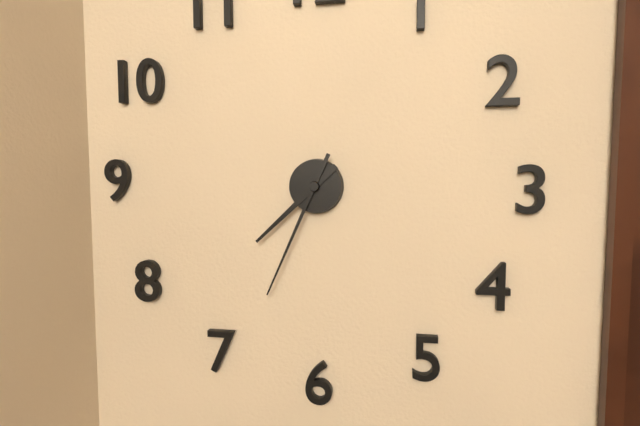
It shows h=7 m=34
